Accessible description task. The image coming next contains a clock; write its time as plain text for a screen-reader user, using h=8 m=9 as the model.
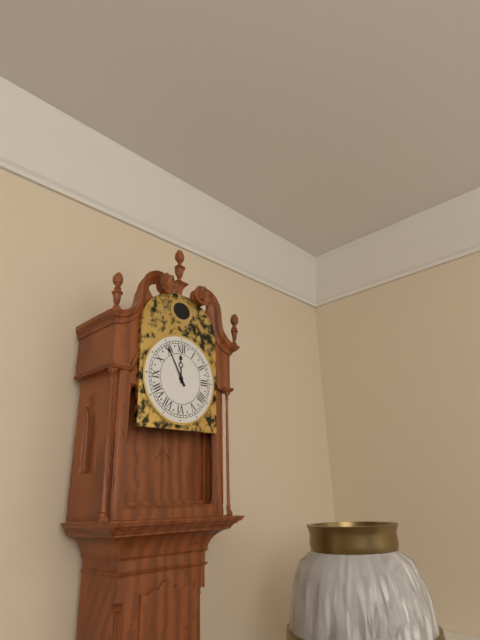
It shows h=11 m=55
